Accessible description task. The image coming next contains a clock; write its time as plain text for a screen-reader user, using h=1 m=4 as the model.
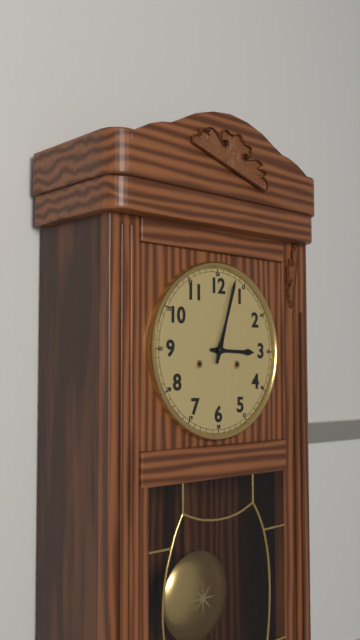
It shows h=3 m=3
